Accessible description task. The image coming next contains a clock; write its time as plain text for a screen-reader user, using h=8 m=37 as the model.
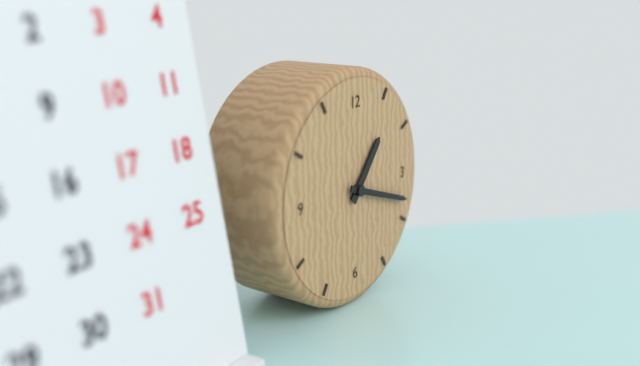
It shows h=1 m=18
